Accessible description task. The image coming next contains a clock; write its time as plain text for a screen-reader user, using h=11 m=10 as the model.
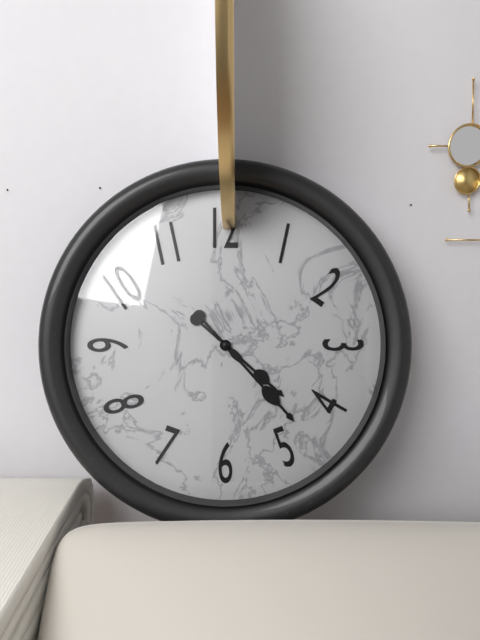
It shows h=4 m=23
